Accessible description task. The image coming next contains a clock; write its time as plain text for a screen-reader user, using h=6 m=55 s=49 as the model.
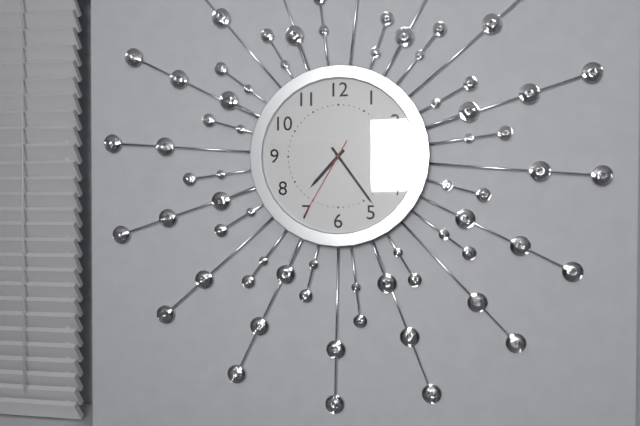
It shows h=7 m=24 s=35
